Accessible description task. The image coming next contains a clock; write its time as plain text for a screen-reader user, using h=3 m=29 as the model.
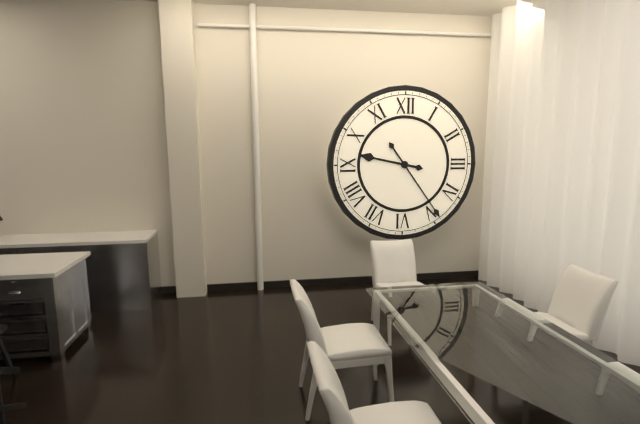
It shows h=9 m=24
